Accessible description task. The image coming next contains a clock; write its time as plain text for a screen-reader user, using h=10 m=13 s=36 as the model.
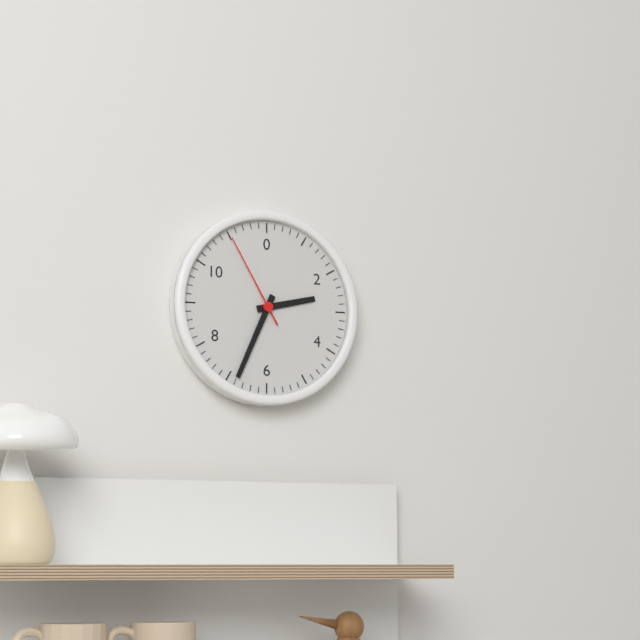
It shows h=2 m=34 s=55
